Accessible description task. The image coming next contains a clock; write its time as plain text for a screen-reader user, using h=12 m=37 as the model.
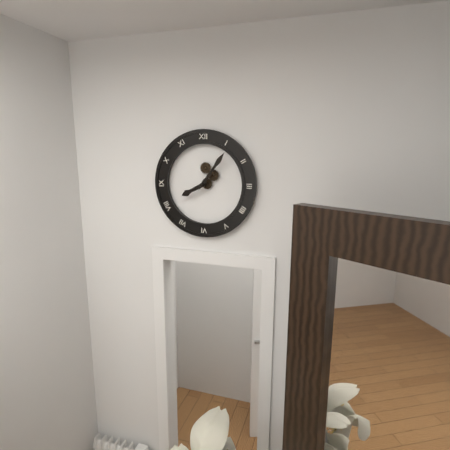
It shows h=8 m=6
